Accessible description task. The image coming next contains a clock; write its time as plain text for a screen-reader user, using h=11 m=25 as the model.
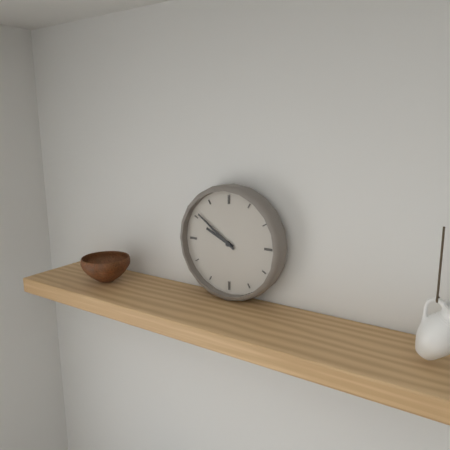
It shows h=9 m=51
